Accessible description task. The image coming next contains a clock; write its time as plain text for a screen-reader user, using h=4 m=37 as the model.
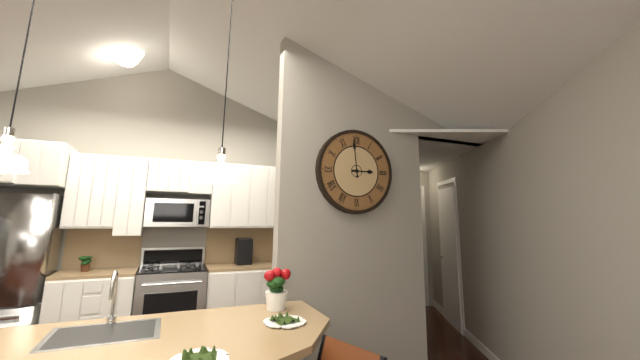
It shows h=2 m=59
